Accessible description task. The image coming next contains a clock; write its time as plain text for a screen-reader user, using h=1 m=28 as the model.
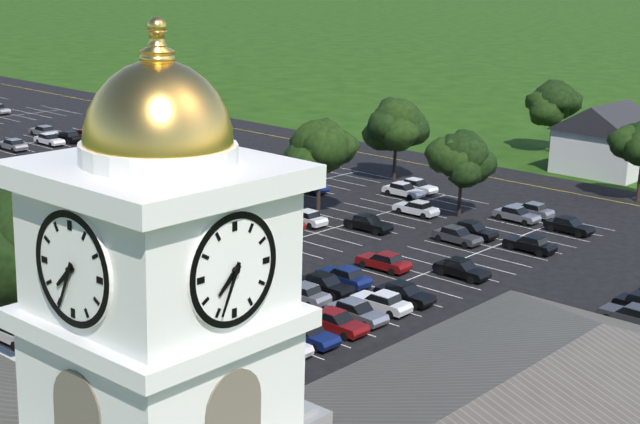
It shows h=7 m=34
